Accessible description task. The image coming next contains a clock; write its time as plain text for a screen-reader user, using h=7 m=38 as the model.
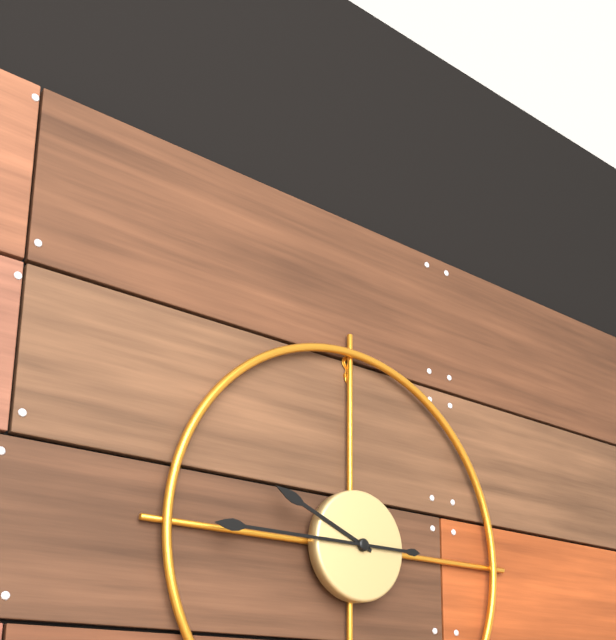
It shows h=9 m=45
